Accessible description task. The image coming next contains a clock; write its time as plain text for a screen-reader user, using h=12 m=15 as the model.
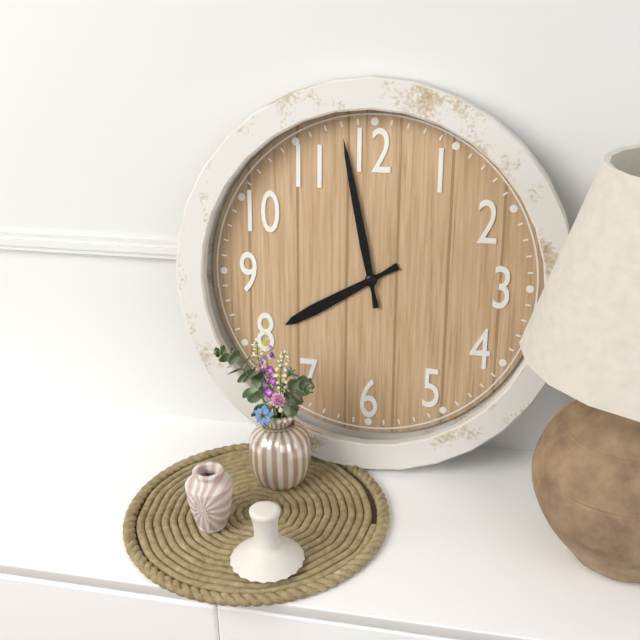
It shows h=7 m=58
